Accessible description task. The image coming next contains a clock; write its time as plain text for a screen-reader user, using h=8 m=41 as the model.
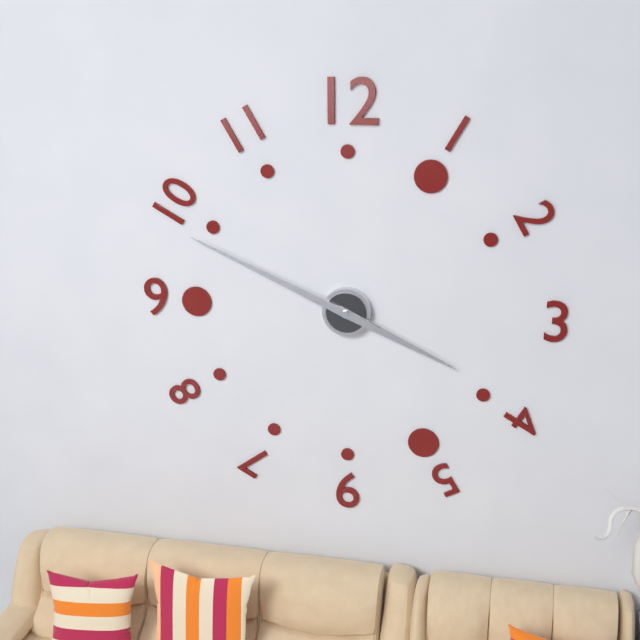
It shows h=3 m=49
